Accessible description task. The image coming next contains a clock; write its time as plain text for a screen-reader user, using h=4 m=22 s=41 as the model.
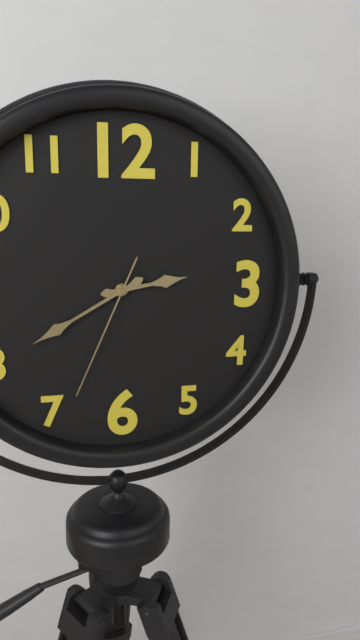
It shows h=2 m=40 s=34
